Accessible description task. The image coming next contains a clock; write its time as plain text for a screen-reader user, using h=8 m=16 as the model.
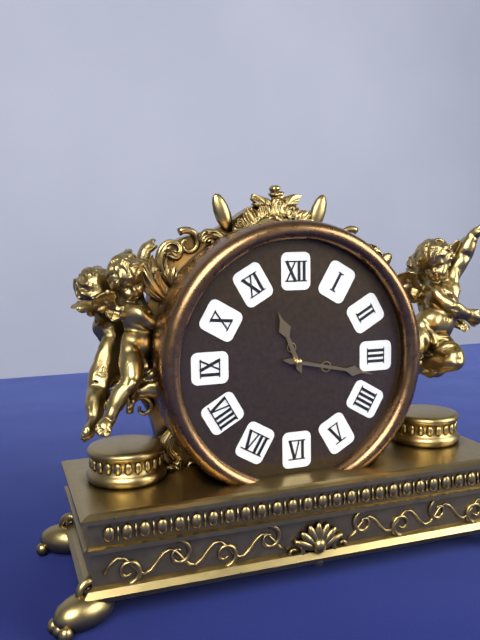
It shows h=11 m=17
